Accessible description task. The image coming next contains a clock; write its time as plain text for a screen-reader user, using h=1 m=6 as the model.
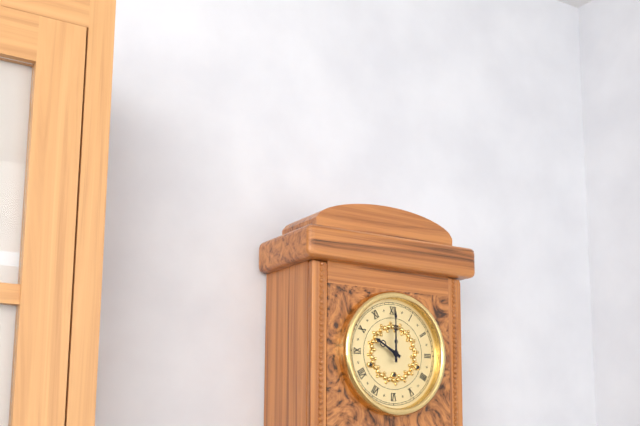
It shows h=10 m=0
